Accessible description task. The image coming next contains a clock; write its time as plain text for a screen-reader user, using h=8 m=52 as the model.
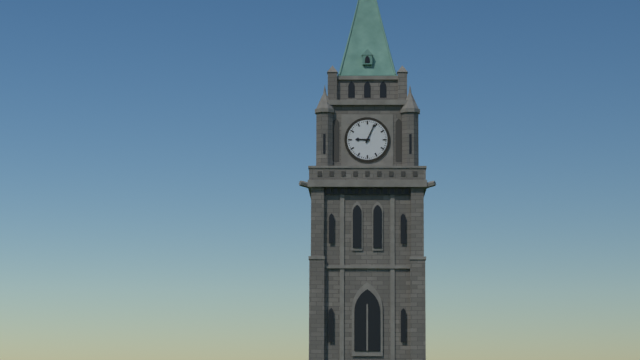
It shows h=9 m=4
